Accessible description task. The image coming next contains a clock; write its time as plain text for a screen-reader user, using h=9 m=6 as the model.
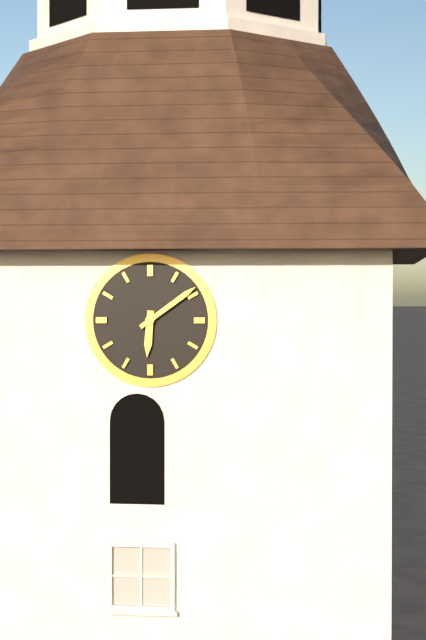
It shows h=6 m=9
